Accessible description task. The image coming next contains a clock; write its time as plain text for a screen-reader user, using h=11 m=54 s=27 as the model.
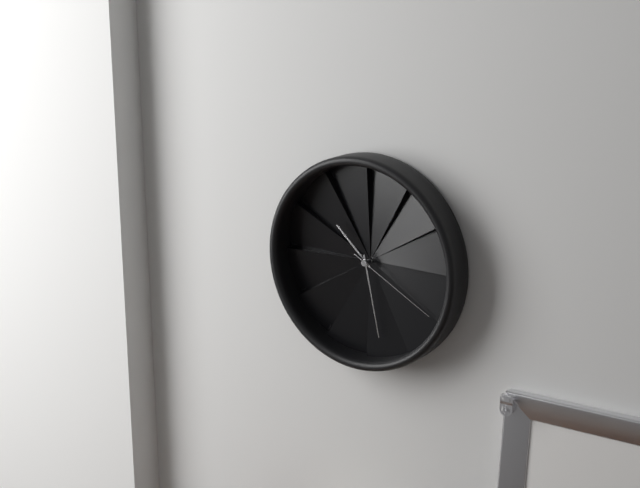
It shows h=10 m=28 s=20
